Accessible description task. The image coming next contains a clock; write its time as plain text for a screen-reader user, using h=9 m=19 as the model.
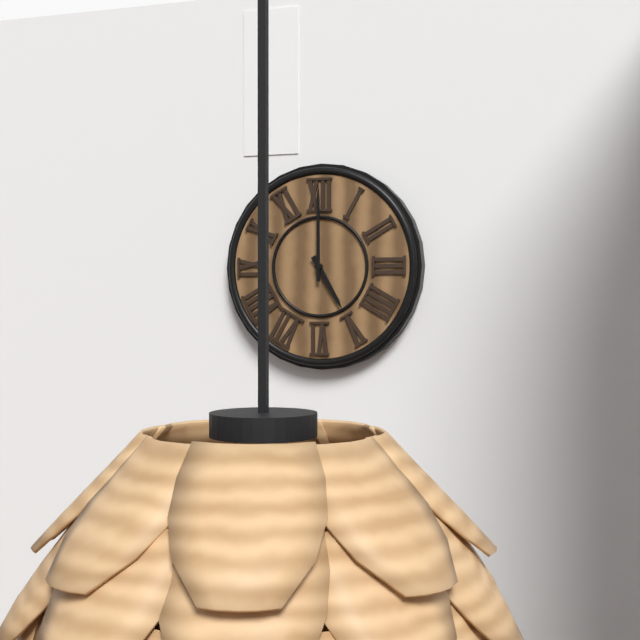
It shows h=5 m=0
